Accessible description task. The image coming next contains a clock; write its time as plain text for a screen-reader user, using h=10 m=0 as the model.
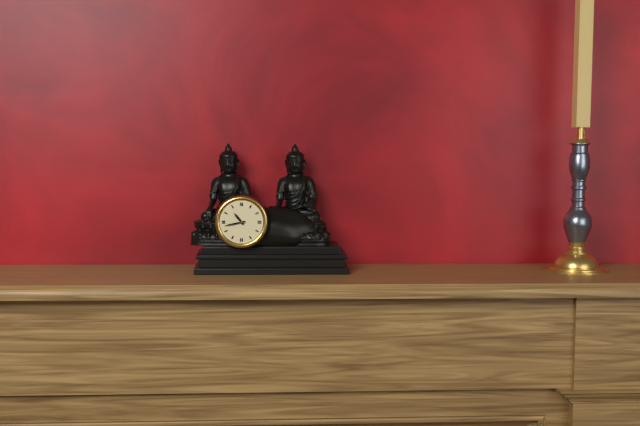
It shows h=10 m=43
